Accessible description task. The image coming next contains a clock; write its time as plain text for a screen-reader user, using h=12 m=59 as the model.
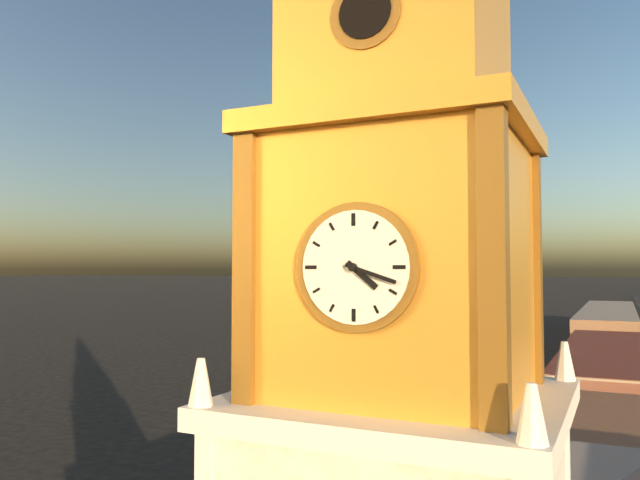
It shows h=4 m=18
